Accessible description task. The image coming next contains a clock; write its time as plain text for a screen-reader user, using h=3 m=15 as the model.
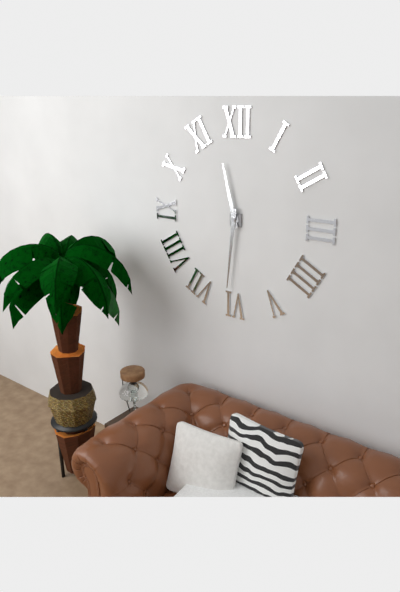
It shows h=11 m=31
